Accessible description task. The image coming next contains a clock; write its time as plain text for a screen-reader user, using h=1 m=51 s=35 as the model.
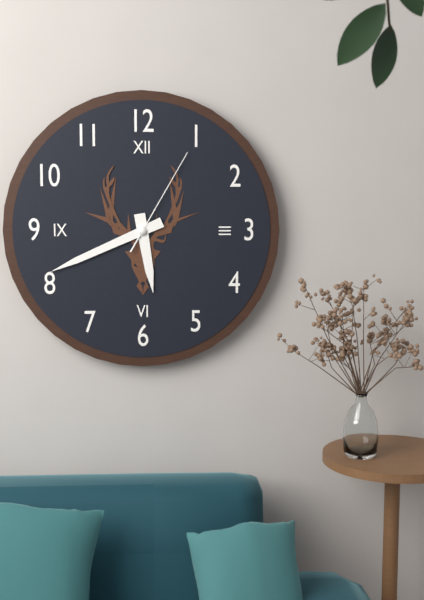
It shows h=5 m=41 s=5
